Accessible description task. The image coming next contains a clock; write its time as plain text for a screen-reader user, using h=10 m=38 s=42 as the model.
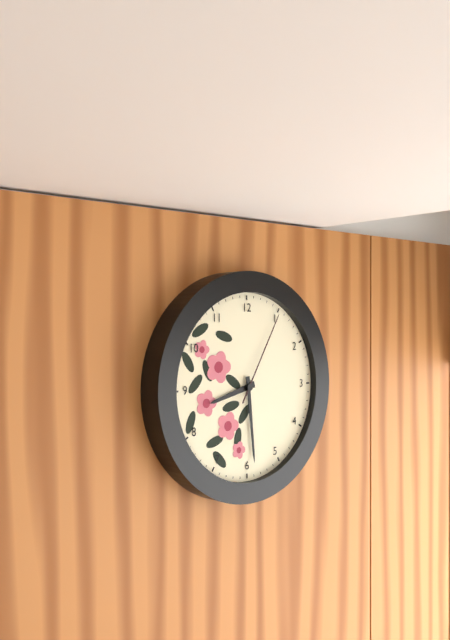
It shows h=8 m=29 s=5
